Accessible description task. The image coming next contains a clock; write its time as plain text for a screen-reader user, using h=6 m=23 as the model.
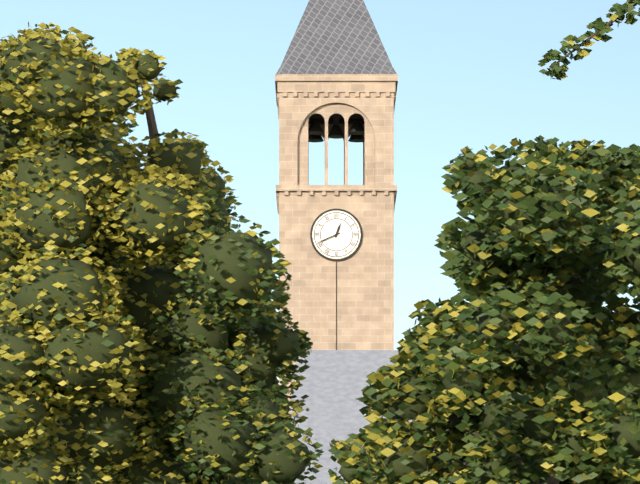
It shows h=12 m=41
